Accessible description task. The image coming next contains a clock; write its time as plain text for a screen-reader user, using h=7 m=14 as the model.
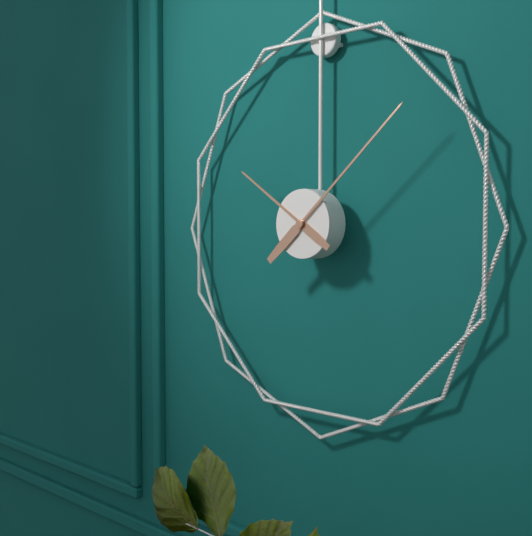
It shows h=10 m=8
